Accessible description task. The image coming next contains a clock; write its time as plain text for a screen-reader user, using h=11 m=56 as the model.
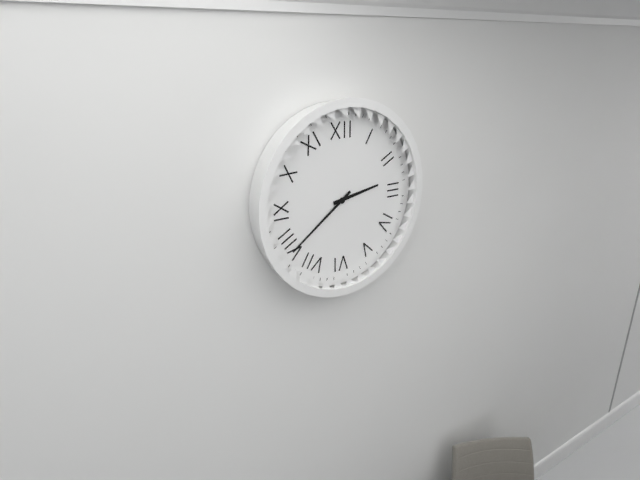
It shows h=2 m=39
